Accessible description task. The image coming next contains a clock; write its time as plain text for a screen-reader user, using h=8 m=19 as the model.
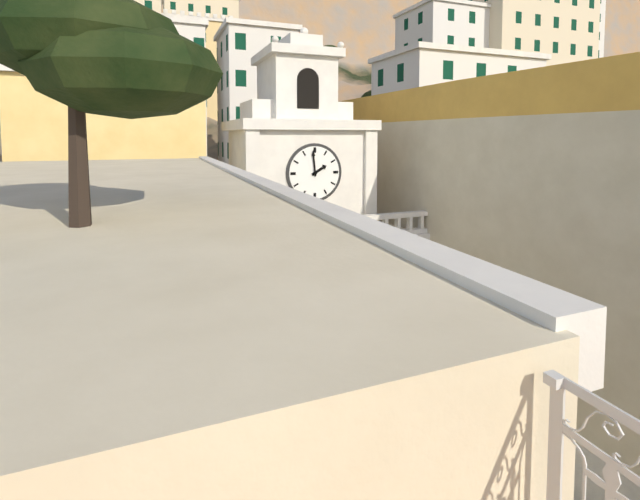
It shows h=1 m=59
